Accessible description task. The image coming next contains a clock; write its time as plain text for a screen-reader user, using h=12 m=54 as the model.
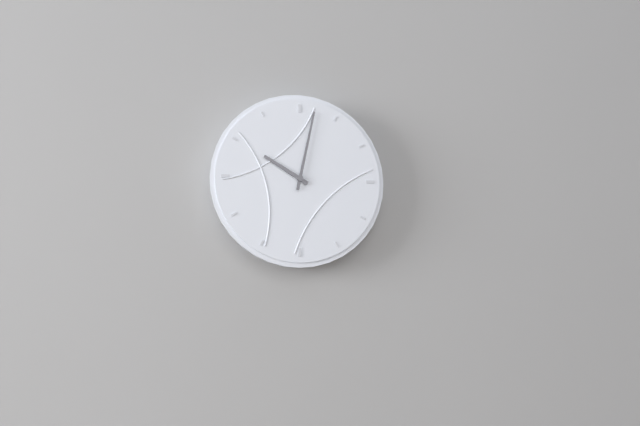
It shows h=10 m=2
